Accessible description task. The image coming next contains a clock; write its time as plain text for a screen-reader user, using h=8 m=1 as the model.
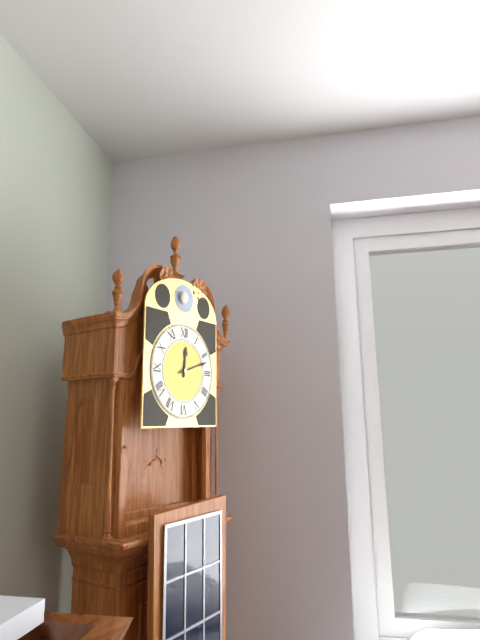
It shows h=12 m=12
